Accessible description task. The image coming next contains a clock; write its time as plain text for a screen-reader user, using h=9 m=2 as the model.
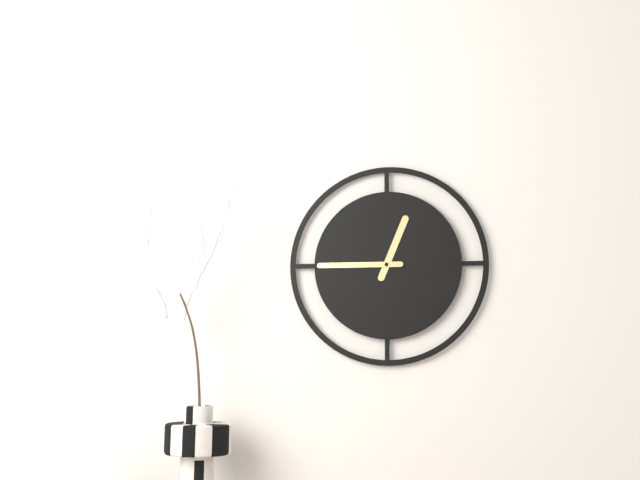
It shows h=12 m=45
